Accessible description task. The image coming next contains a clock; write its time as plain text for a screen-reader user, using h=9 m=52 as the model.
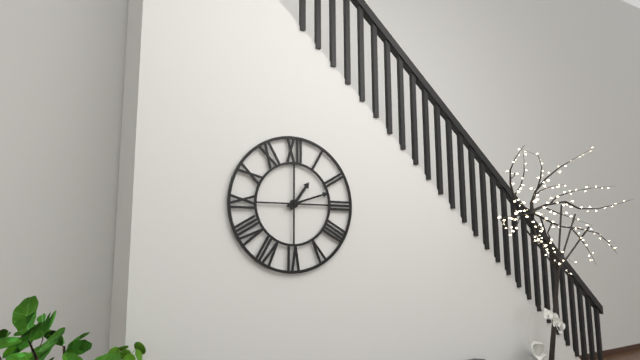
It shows h=1 m=12
